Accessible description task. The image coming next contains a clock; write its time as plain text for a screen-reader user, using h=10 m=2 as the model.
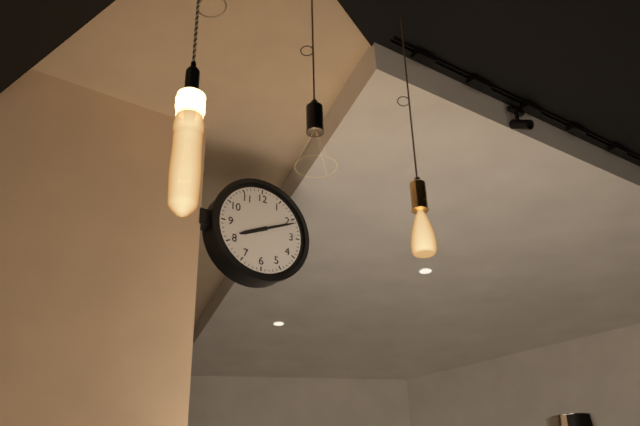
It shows h=8 m=11
